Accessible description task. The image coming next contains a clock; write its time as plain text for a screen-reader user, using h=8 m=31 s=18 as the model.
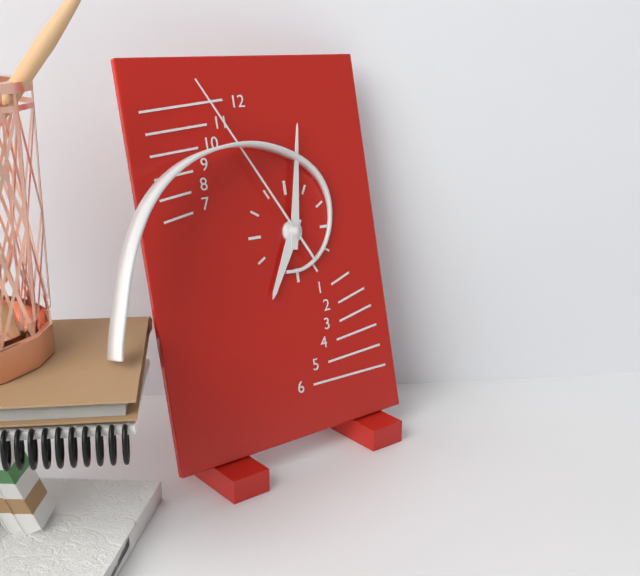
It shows h=7 m=2 s=55
